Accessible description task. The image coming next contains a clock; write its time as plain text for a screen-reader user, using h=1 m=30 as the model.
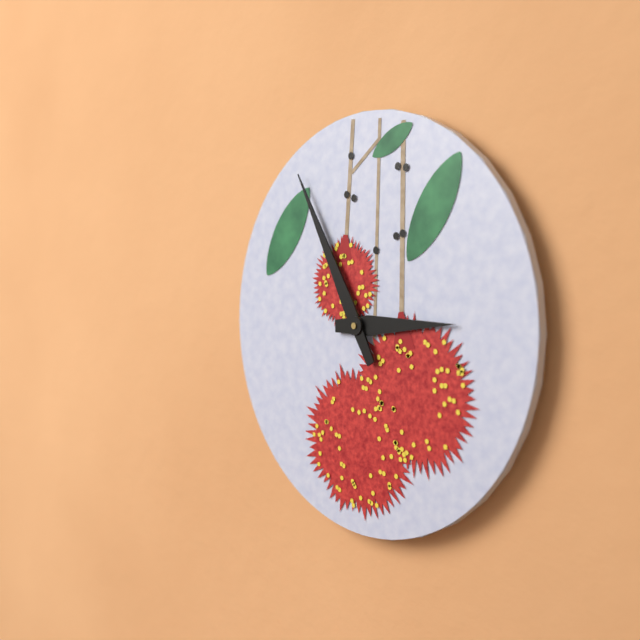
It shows h=2 m=55
